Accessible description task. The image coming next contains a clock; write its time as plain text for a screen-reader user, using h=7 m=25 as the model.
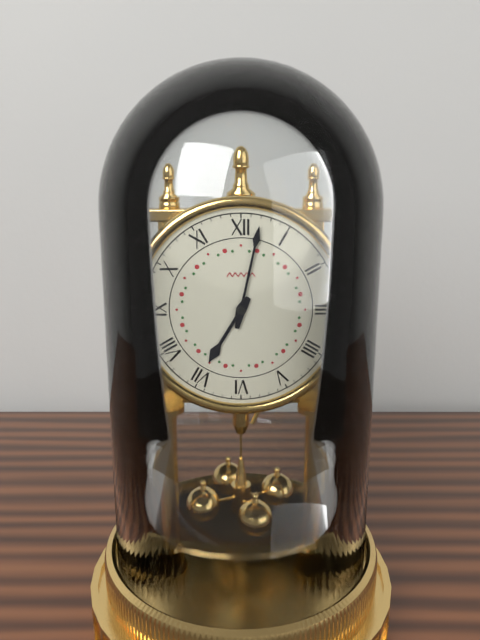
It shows h=7 m=2
